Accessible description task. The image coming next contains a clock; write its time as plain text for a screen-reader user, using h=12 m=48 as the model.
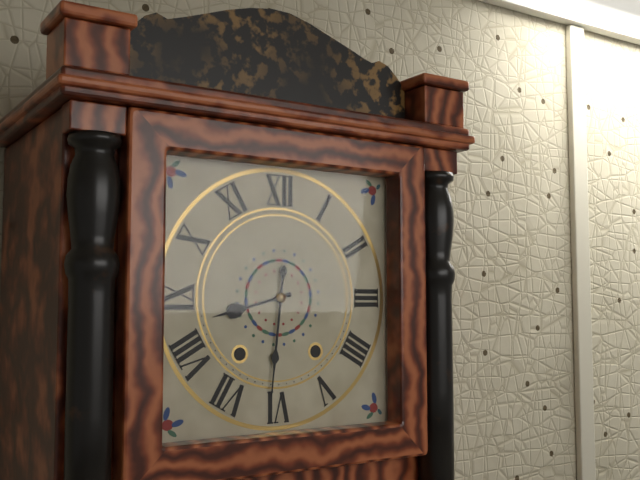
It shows h=8 m=31
